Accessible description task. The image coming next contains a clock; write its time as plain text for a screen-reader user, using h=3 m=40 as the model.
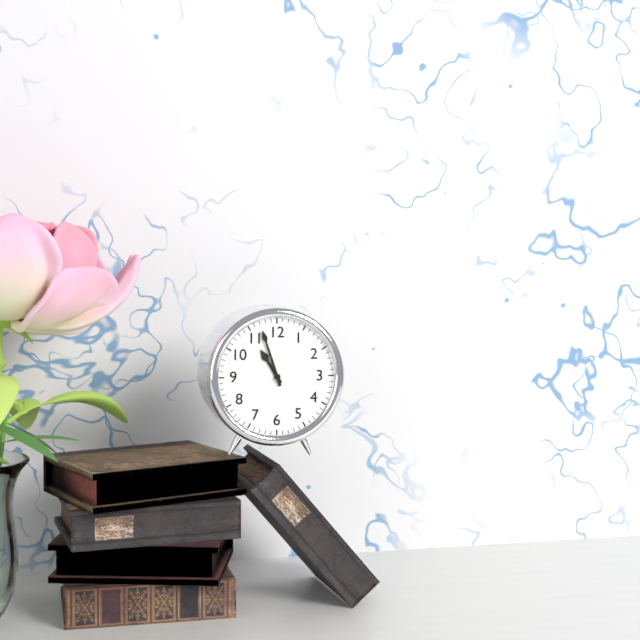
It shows h=10 m=57
